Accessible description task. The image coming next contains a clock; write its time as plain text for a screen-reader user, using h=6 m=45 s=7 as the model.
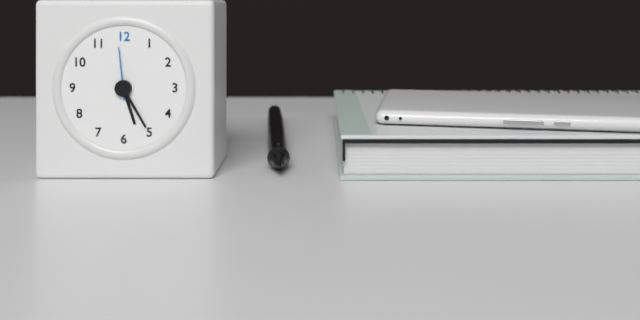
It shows h=5 m=25 s=59
